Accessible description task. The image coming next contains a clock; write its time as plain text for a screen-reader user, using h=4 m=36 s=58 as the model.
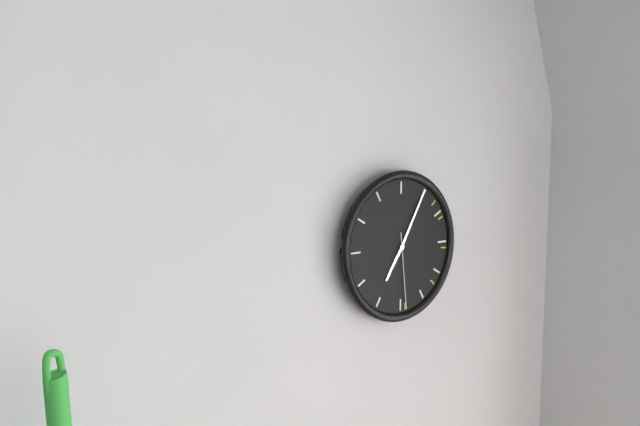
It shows h=7 m=5 s=29
